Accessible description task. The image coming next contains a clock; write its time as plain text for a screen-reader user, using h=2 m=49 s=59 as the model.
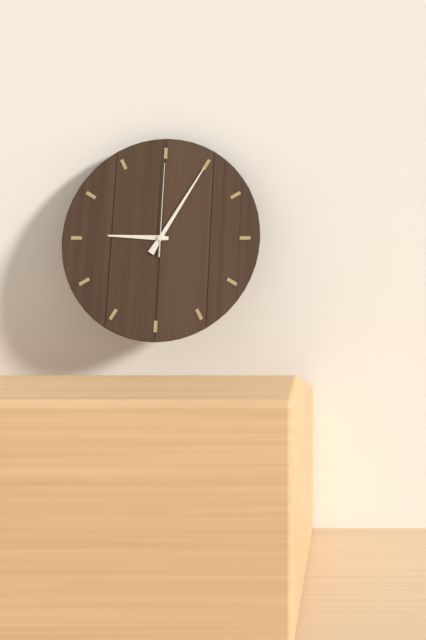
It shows h=9 m=5 s=0
